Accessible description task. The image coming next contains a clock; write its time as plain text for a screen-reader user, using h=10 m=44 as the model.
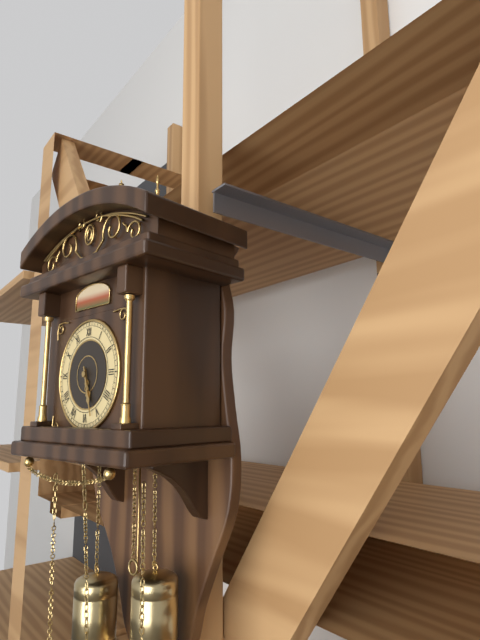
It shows h=5 m=27
